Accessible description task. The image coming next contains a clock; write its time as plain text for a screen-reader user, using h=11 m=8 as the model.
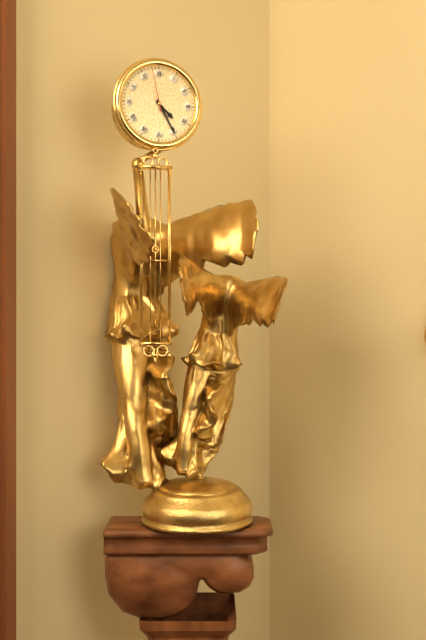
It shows h=4 m=25
